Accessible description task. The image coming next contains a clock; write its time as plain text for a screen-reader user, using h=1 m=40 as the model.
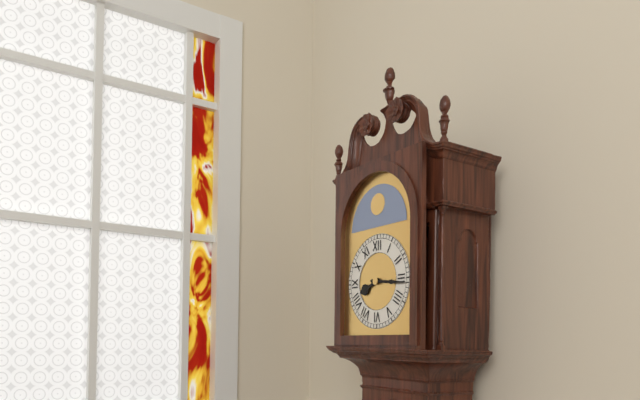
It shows h=8 m=16
